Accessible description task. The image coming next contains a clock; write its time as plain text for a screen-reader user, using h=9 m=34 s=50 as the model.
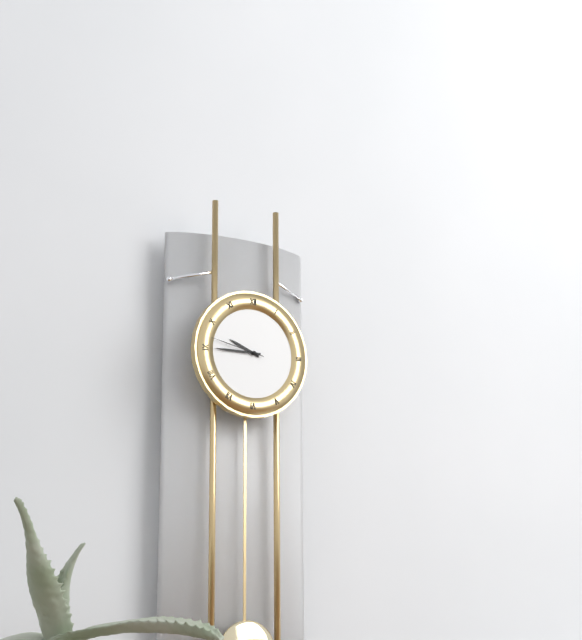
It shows h=9 m=45 s=47
